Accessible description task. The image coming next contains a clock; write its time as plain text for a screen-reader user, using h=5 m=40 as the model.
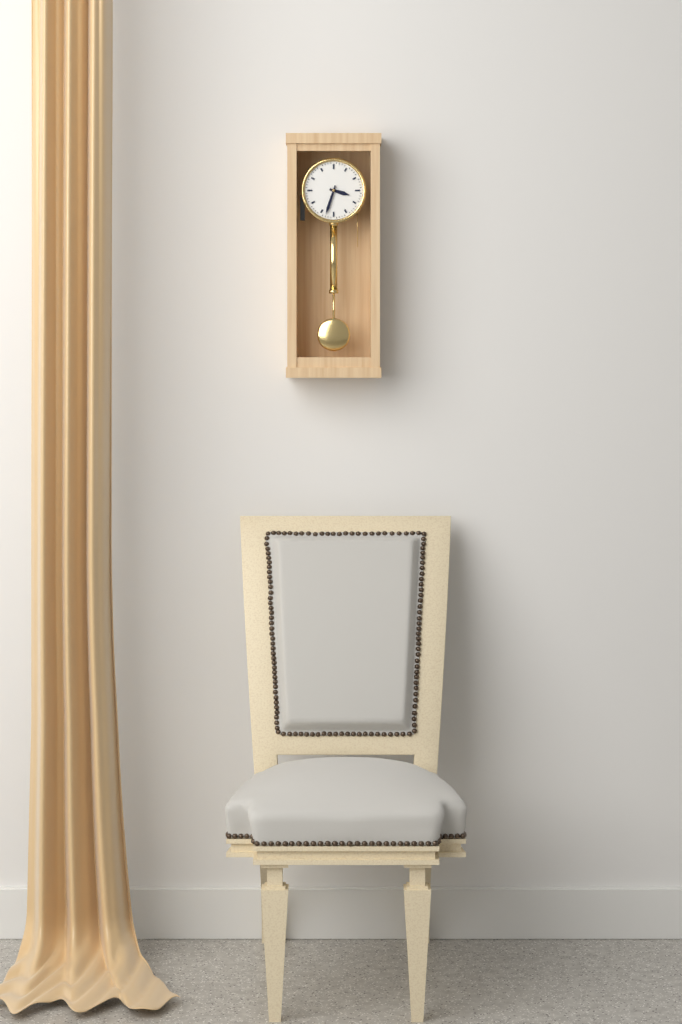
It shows h=3 m=33
